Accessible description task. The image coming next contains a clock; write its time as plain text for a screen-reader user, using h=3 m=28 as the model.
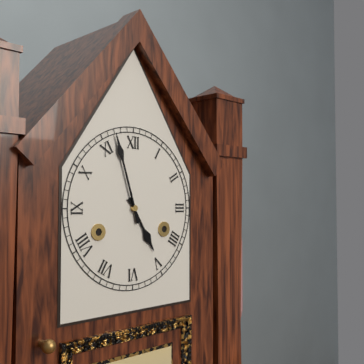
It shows h=4 m=57
